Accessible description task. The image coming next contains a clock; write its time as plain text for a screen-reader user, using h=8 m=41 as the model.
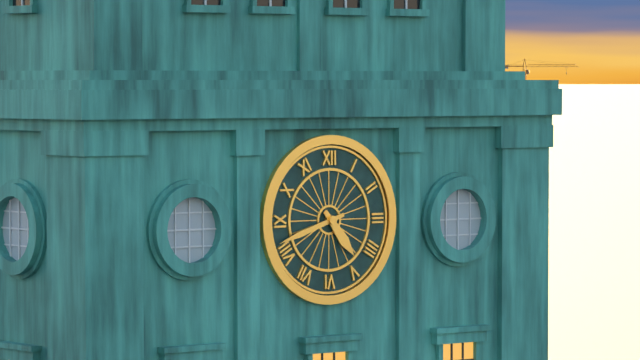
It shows h=4 m=42
